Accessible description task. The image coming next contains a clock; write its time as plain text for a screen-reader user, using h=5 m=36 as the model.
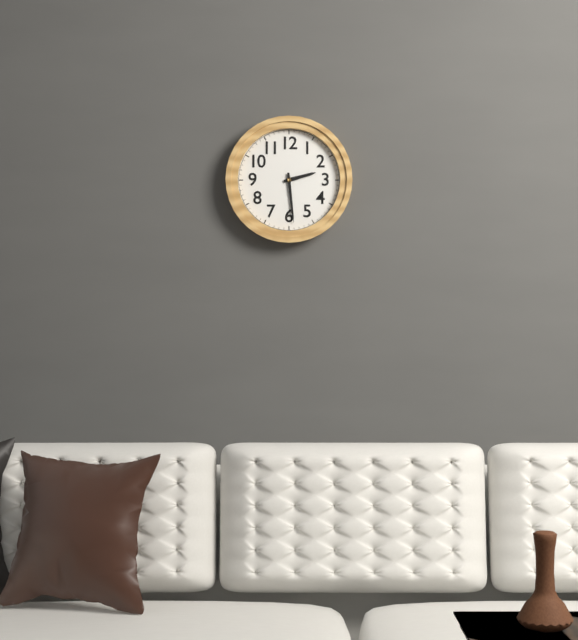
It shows h=2 m=29
